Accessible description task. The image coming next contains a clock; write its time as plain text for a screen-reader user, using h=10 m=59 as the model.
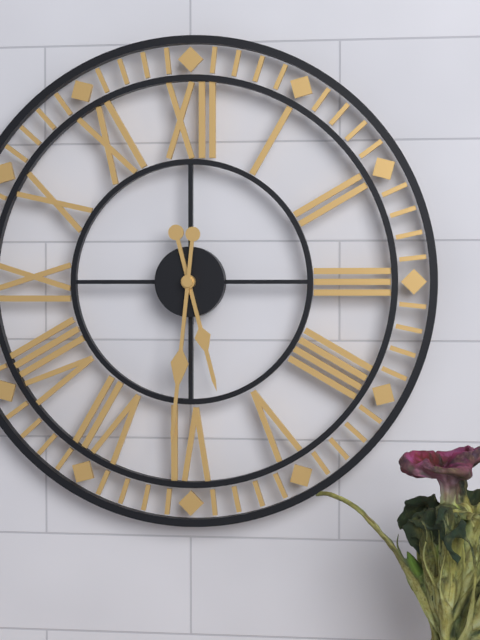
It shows h=5 m=31
